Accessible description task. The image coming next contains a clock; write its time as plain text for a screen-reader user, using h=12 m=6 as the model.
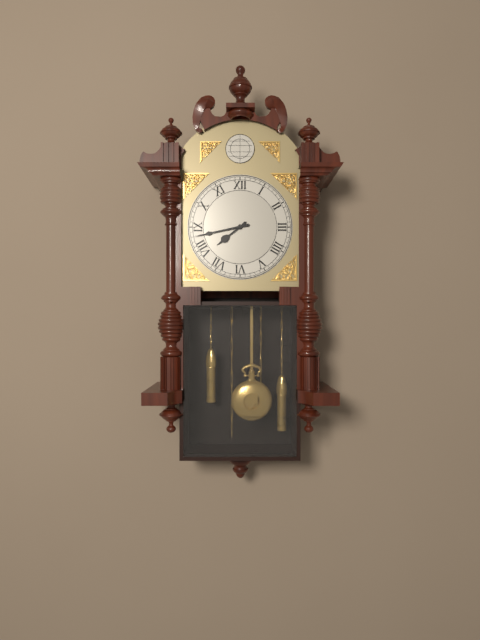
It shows h=7 m=43
